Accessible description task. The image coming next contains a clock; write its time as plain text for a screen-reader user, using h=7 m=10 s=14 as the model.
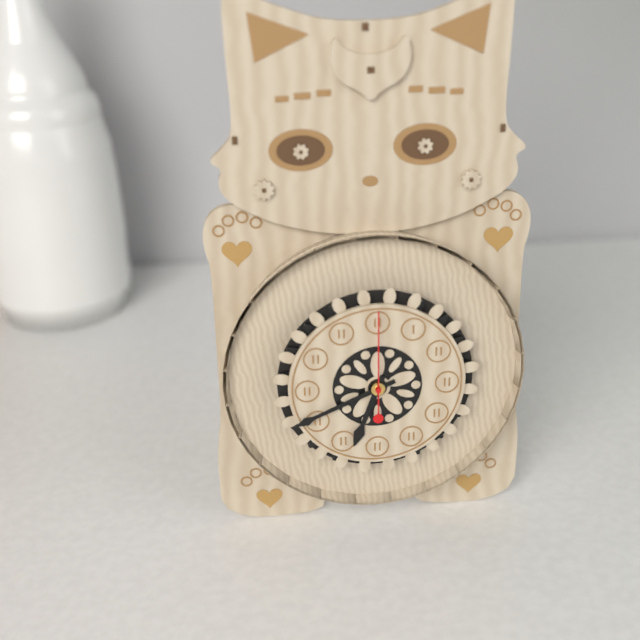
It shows h=6 m=41 s=0
